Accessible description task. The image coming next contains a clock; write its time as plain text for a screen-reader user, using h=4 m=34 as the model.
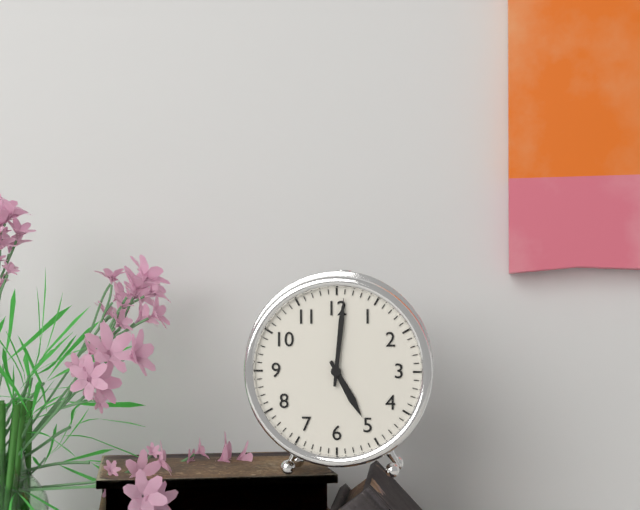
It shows h=5 m=1
